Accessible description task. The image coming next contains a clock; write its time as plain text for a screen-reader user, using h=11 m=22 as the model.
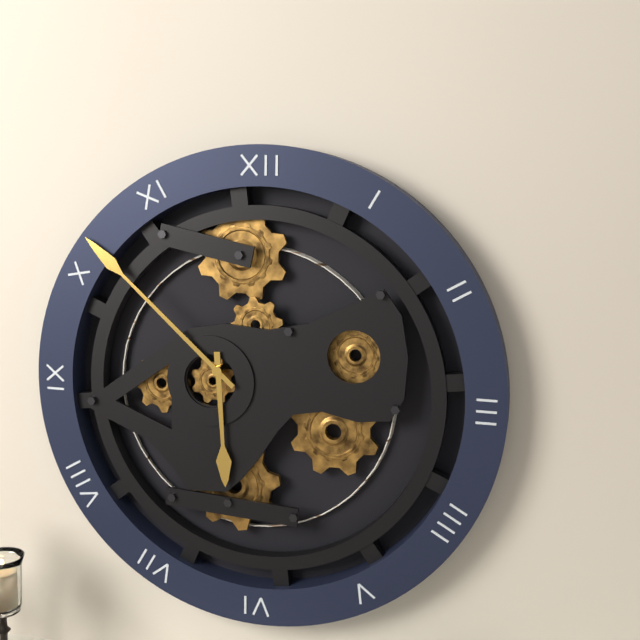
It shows h=5 m=52
